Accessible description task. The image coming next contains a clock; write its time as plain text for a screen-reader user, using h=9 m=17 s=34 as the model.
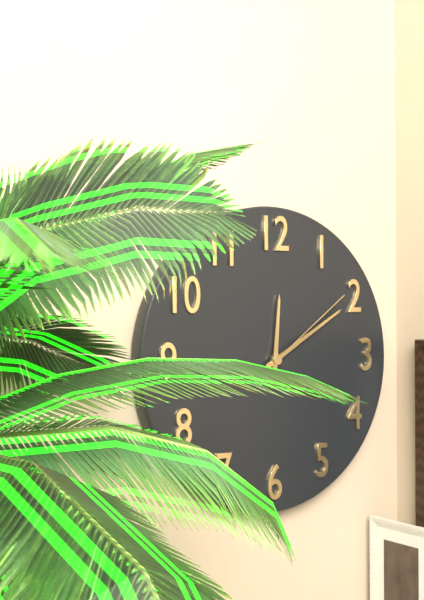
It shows h=12 m=10 s=9
